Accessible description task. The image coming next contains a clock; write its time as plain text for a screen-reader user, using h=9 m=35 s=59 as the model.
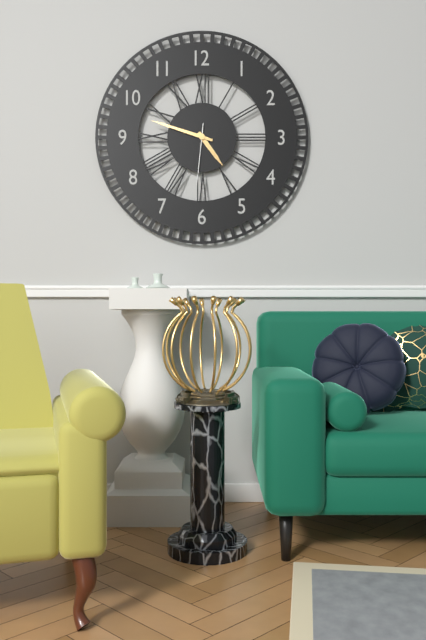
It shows h=4 m=48 s=31
